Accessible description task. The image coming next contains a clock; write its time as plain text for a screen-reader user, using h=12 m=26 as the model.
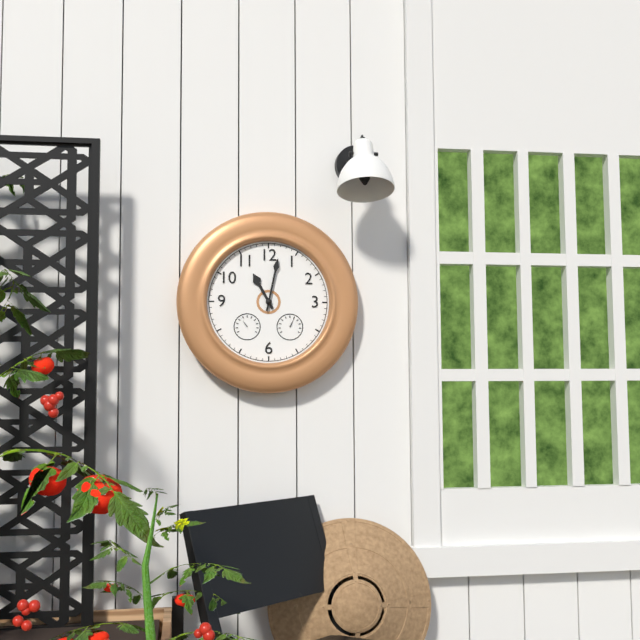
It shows h=11 m=2
